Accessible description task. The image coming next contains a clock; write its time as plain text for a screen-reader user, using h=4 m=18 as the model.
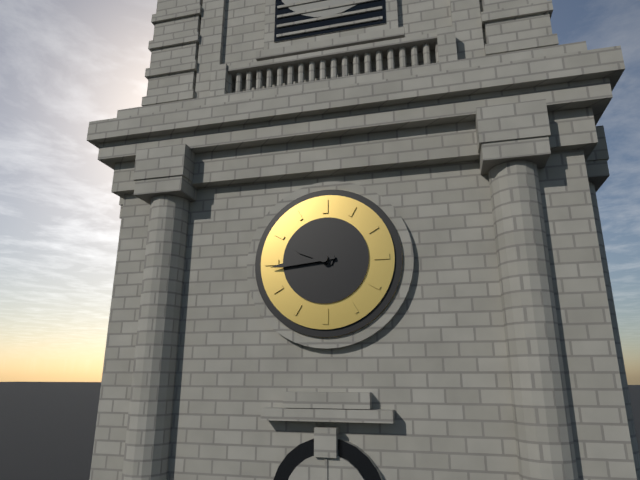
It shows h=9 m=44
